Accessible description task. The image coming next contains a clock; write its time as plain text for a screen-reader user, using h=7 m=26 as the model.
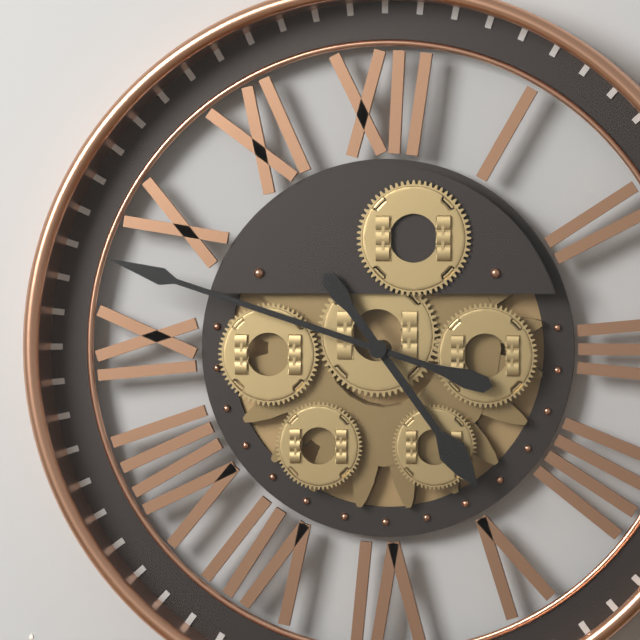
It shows h=4 m=48
